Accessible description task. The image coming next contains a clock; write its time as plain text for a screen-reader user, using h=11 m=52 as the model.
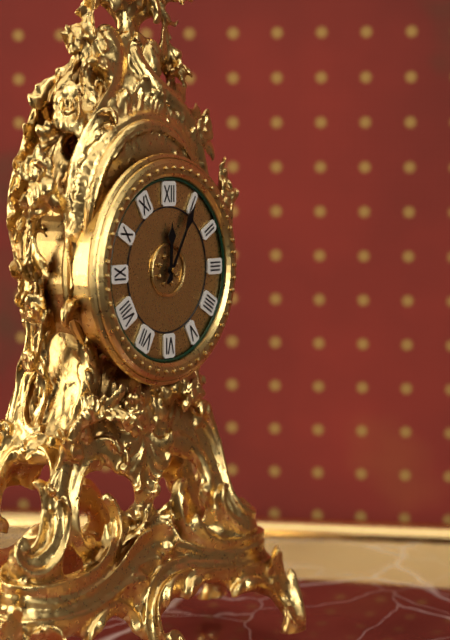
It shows h=12 m=5
